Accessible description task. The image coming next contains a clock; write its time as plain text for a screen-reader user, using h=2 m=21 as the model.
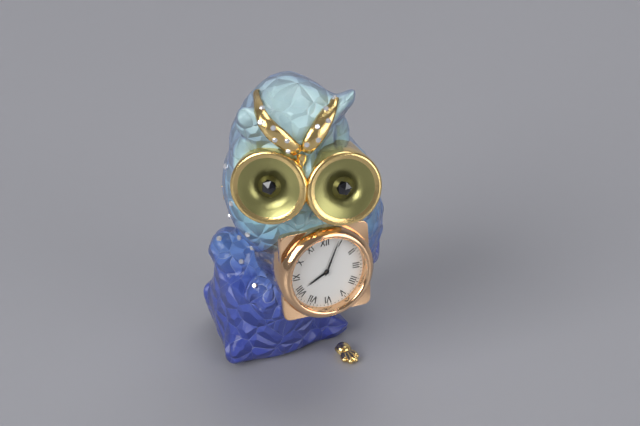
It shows h=8 m=4
